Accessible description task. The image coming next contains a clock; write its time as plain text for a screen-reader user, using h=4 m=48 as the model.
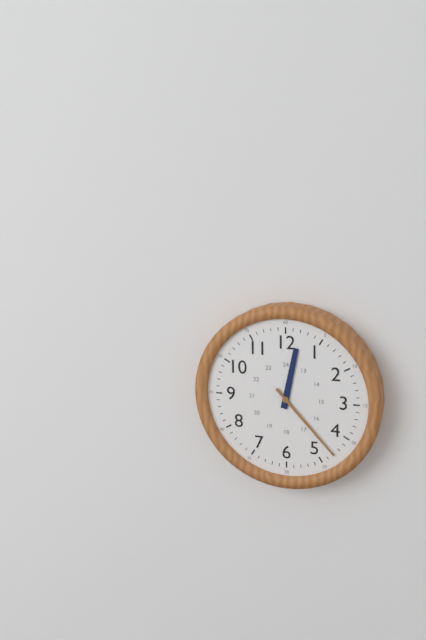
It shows h=12 m=23
